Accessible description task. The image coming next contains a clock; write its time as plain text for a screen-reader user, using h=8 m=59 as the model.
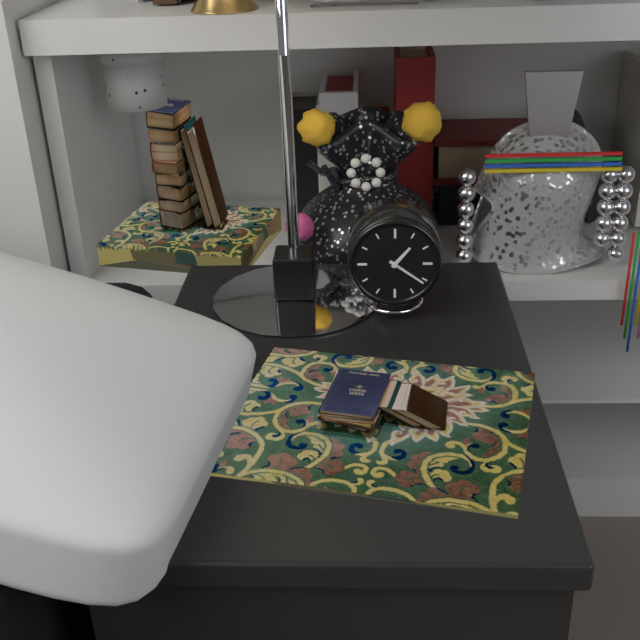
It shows h=1 m=21
